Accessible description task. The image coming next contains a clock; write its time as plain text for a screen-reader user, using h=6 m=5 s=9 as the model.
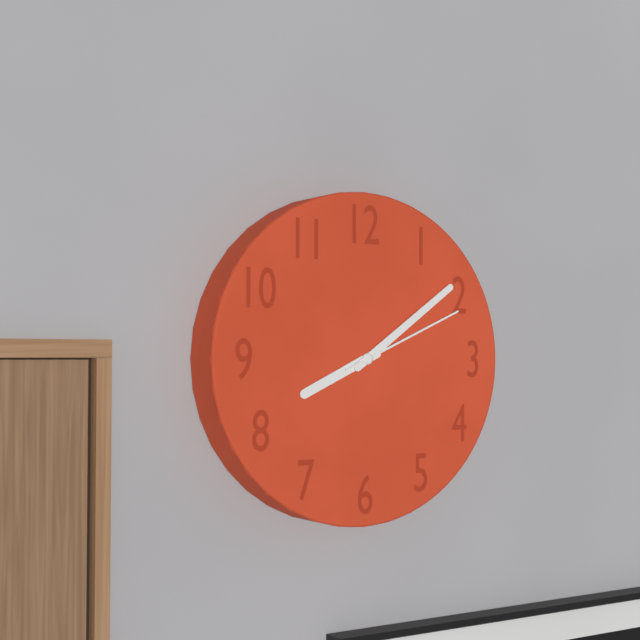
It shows h=8 m=9 s=11
